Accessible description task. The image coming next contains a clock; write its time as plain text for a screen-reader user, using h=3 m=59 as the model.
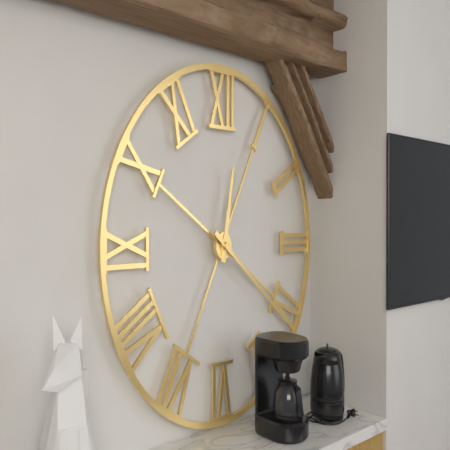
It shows h=12 m=21
